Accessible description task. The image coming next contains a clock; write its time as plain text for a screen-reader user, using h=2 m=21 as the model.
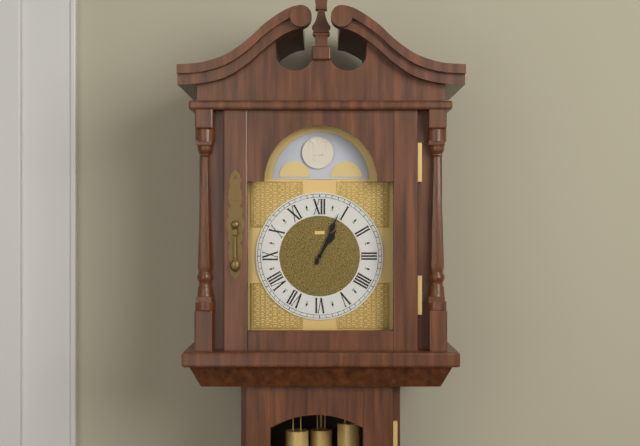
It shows h=1 m=4
